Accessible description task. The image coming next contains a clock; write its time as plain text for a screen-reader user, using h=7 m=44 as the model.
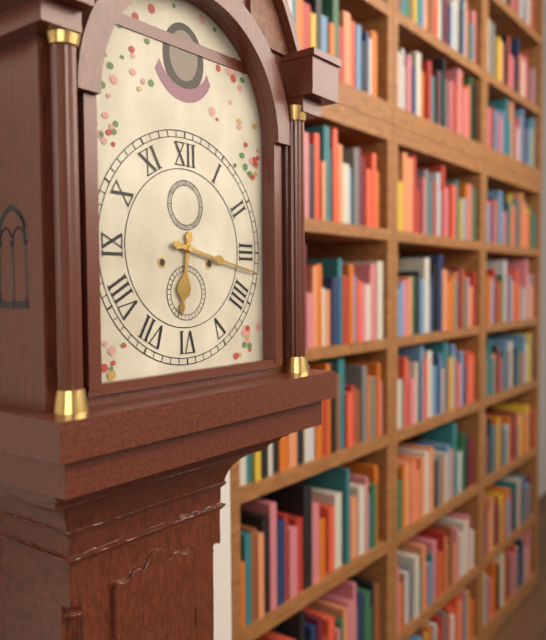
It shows h=6 m=17
